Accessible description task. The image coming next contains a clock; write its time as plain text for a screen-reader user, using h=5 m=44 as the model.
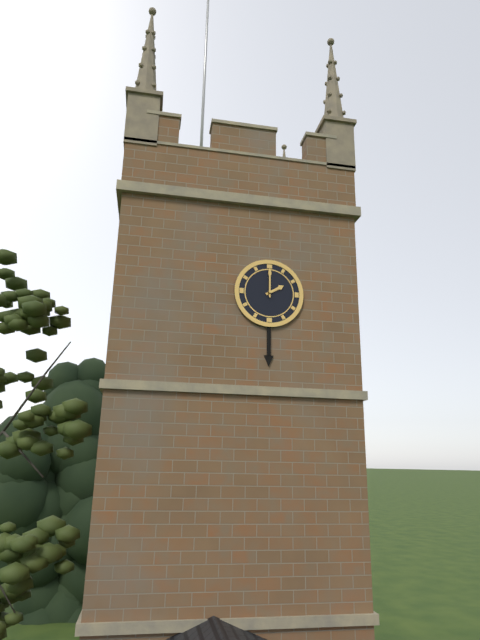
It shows h=2 m=0
